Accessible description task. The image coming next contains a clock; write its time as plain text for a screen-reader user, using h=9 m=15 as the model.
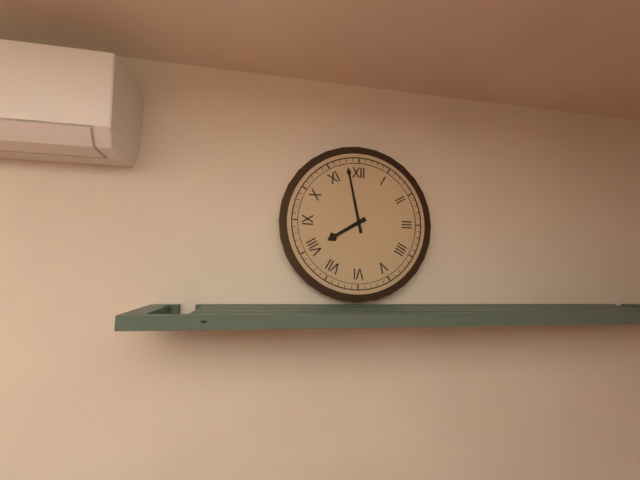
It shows h=7 m=58
